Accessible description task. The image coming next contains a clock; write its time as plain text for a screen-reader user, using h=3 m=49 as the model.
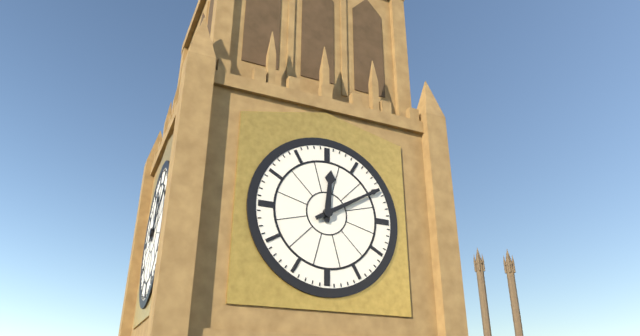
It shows h=12 m=10
